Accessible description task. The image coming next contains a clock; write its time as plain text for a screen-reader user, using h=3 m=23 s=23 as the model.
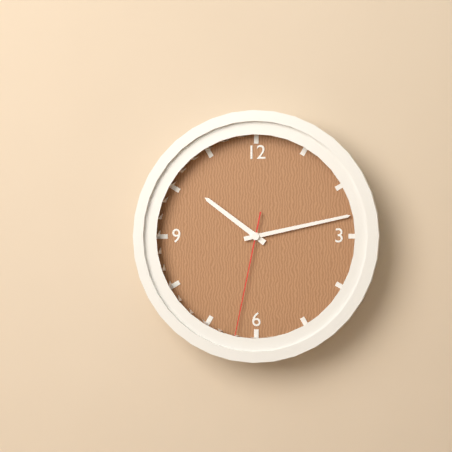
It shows h=10 m=13 s=32
